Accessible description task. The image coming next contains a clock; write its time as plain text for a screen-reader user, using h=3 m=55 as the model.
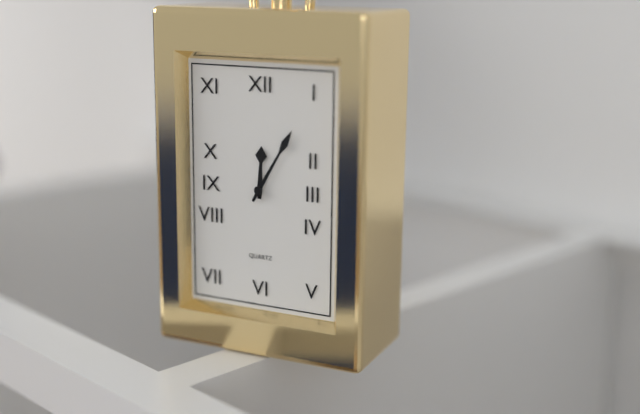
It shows h=12 m=5
